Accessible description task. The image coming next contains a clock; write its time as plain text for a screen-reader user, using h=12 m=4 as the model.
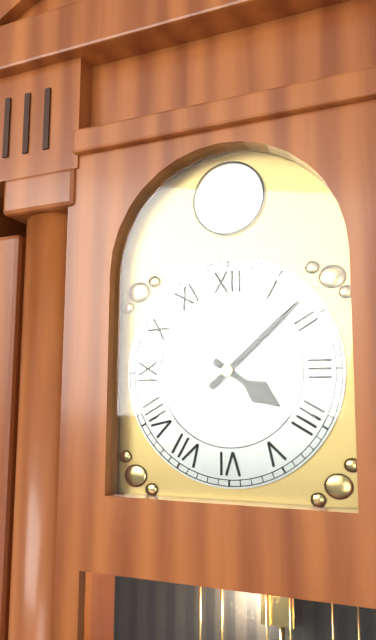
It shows h=4 m=8
